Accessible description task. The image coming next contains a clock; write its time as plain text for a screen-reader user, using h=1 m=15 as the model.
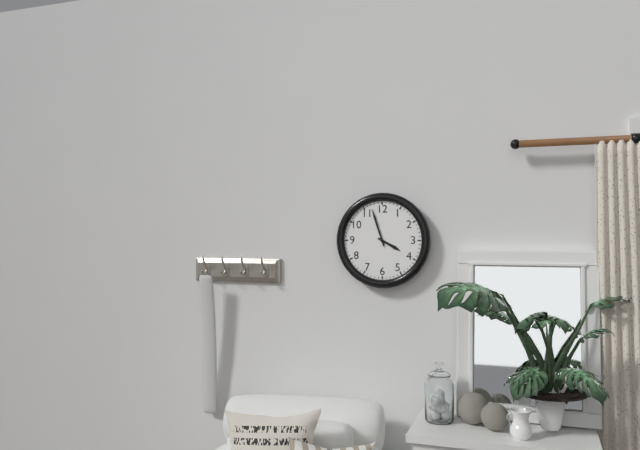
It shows h=3 m=57
